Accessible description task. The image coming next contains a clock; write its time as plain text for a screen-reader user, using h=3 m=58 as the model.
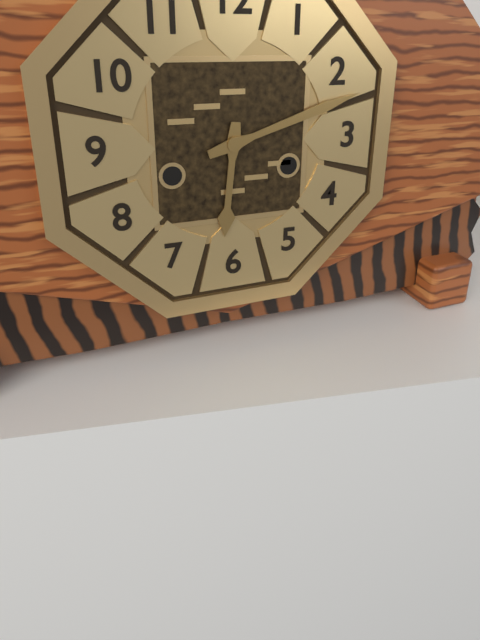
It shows h=6 m=12
